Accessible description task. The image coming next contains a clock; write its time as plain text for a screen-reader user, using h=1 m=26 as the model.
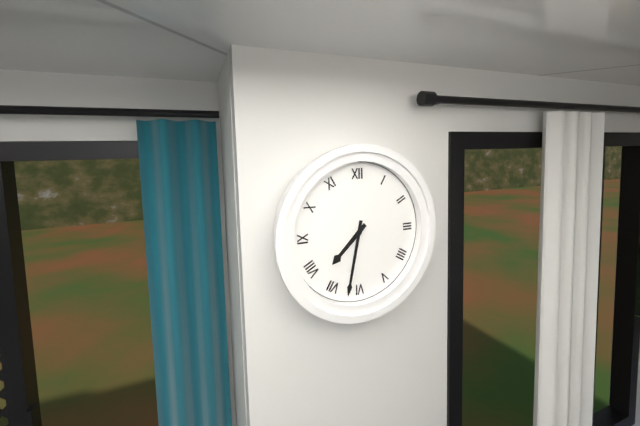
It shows h=7 m=32
